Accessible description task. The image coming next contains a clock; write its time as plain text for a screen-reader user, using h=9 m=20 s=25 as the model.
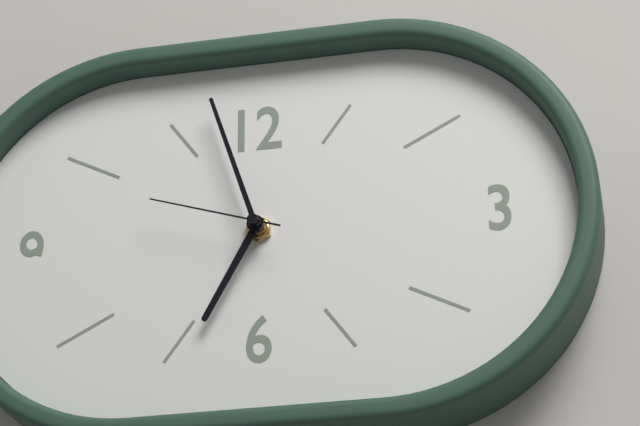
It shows h=6 m=57 s=48
